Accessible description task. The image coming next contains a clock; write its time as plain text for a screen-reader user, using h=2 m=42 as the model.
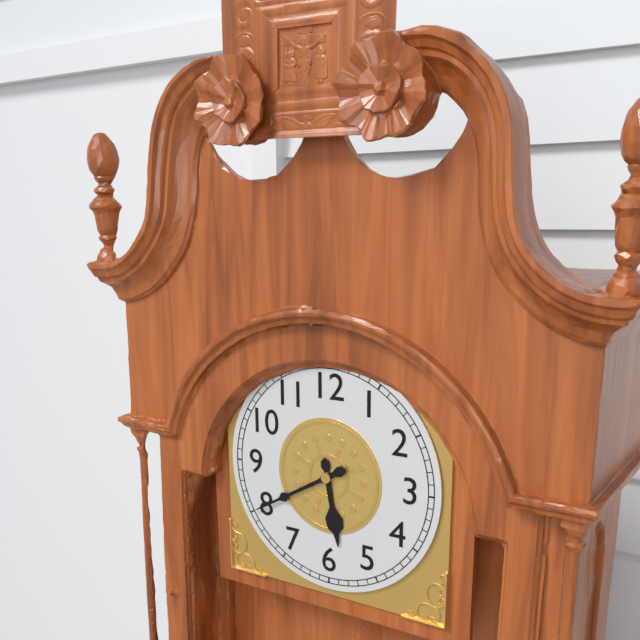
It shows h=5 m=40
